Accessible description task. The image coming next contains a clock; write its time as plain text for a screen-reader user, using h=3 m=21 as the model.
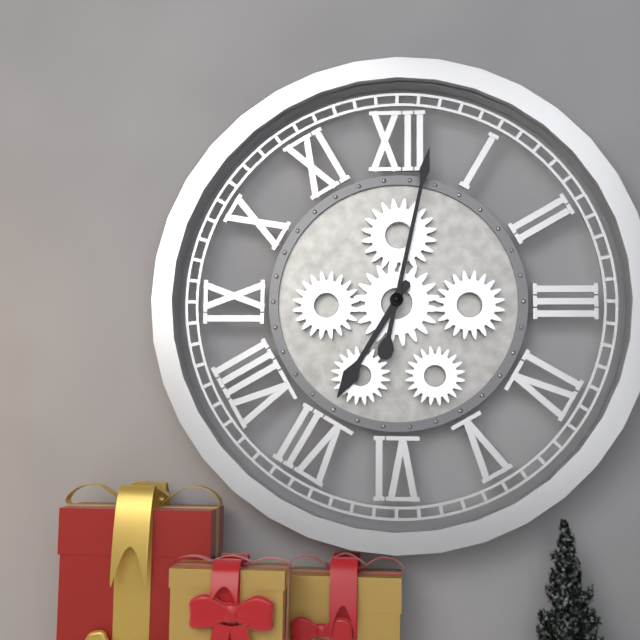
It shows h=7 m=2
